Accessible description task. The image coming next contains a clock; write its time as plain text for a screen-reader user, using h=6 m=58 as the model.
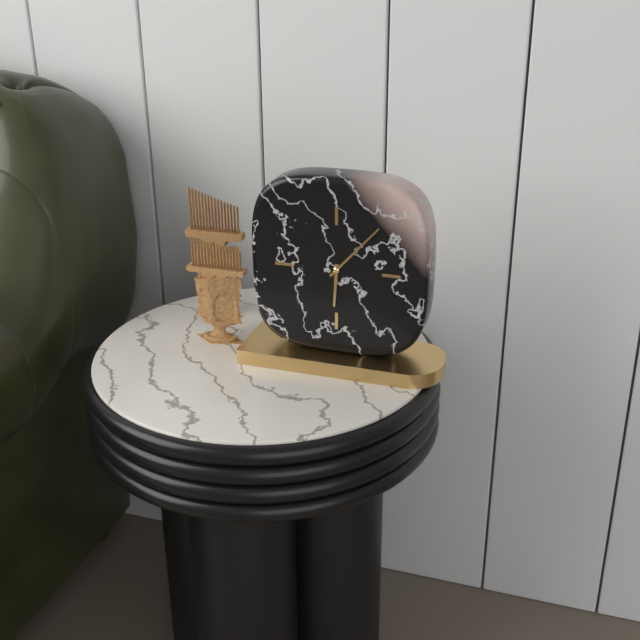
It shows h=6 m=7
